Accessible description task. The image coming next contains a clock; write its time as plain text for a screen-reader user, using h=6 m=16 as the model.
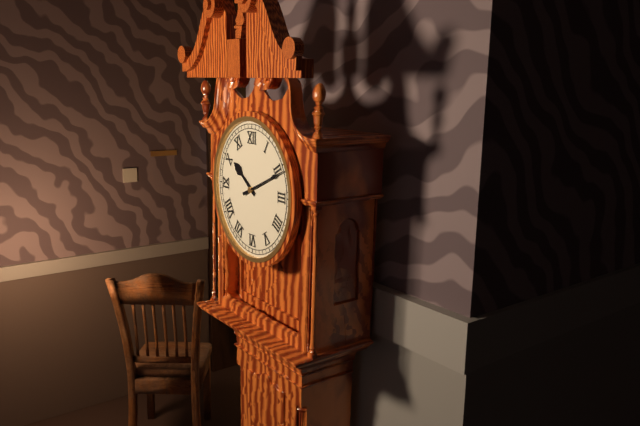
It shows h=10 m=11
